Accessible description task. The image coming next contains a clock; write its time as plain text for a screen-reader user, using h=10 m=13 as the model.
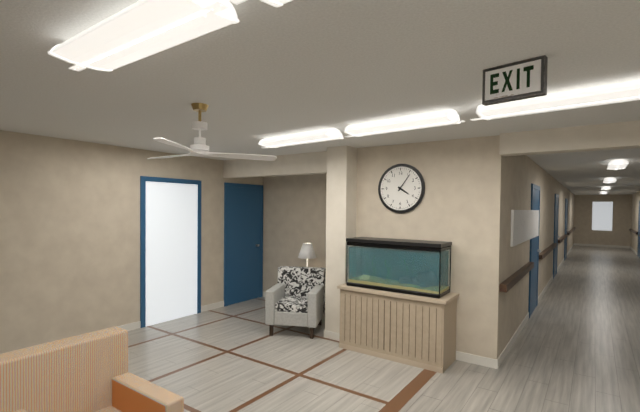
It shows h=4 m=6
